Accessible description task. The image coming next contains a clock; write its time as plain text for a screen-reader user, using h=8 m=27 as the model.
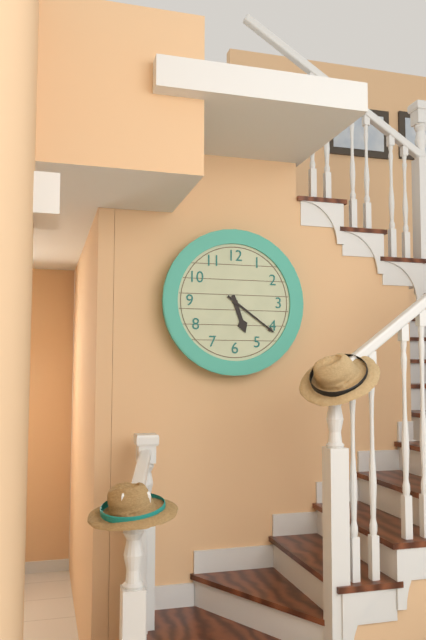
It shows h=5 m=21
